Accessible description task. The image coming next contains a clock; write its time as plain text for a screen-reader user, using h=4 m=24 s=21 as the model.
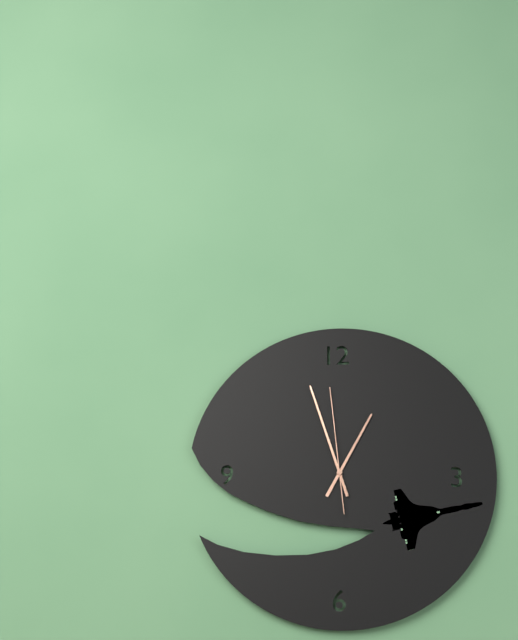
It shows h=12 m=57 s=59
